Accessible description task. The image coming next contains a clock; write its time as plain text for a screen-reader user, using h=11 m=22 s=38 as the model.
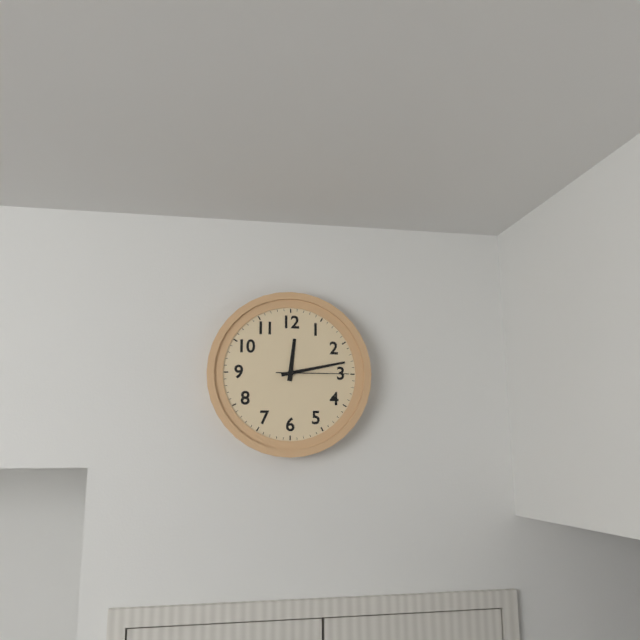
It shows h=12 m=13 s=15
